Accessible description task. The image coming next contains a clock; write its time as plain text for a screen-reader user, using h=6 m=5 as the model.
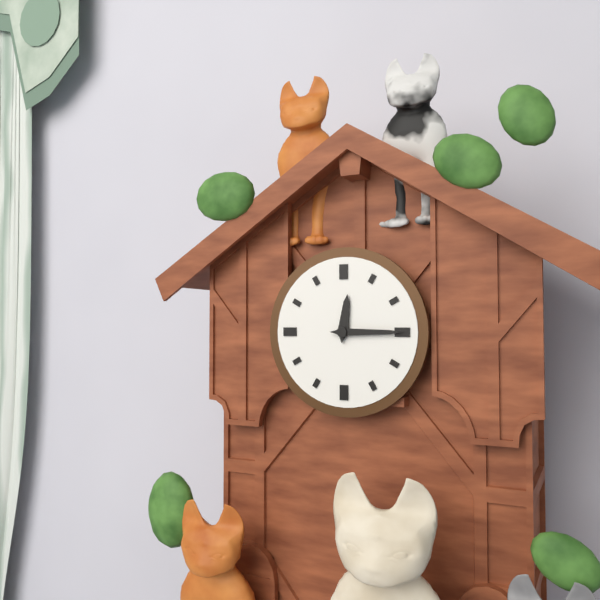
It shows h=12 m=15
